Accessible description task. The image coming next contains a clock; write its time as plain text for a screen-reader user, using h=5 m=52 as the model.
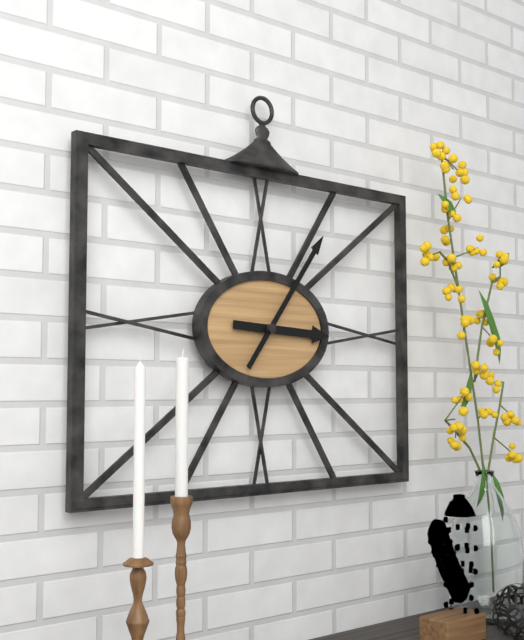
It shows h=3 m=6
